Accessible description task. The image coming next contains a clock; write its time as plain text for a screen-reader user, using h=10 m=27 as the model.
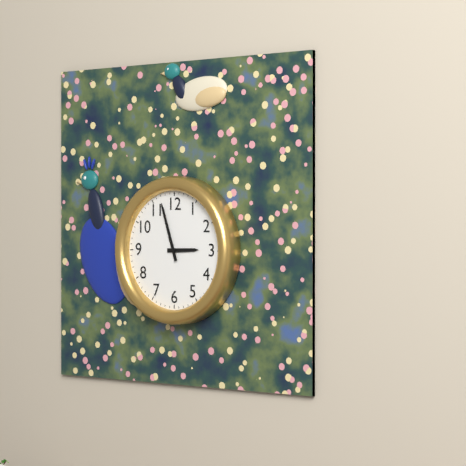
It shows h=2 m=57
